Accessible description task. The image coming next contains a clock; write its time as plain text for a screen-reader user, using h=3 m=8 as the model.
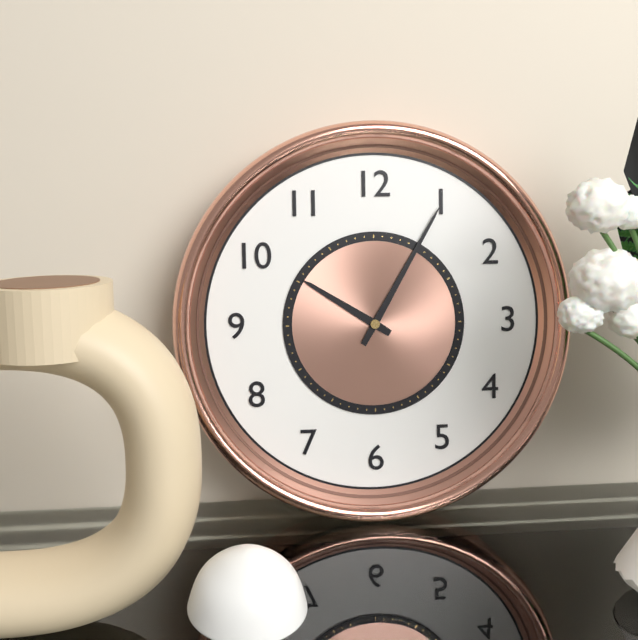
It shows h=10 m=5
